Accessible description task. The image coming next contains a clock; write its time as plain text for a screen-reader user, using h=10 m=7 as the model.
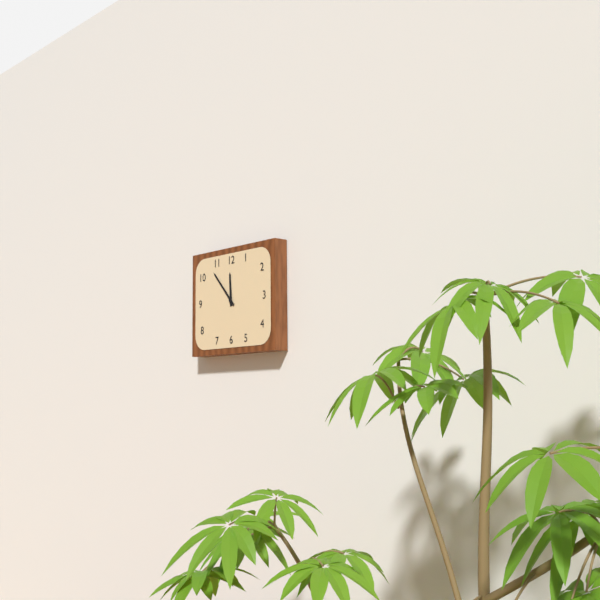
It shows h=11 m=53
